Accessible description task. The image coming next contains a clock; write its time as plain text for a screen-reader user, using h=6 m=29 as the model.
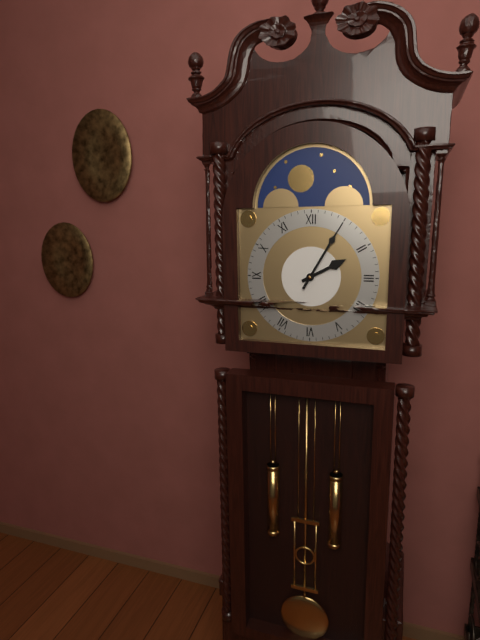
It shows h=2 m=5
